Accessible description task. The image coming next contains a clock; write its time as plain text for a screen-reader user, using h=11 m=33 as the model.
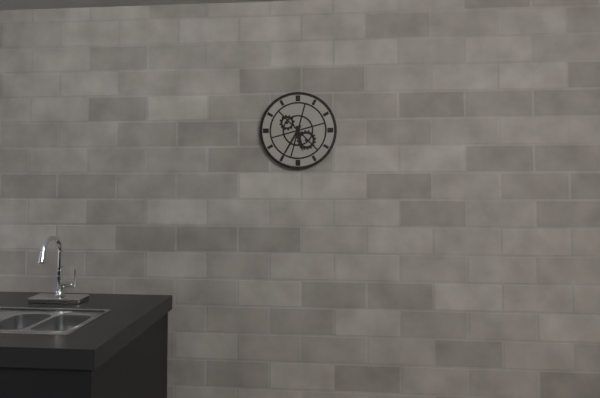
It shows h=5 m=35
